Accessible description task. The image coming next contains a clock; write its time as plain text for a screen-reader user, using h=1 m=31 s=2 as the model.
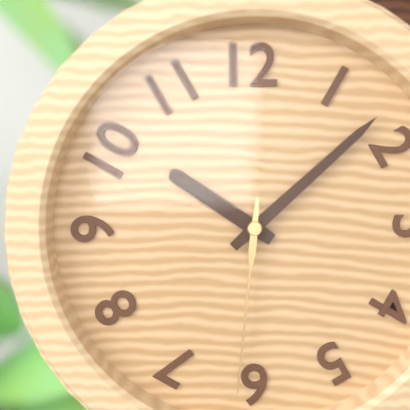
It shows h=10 m=8 s=31
